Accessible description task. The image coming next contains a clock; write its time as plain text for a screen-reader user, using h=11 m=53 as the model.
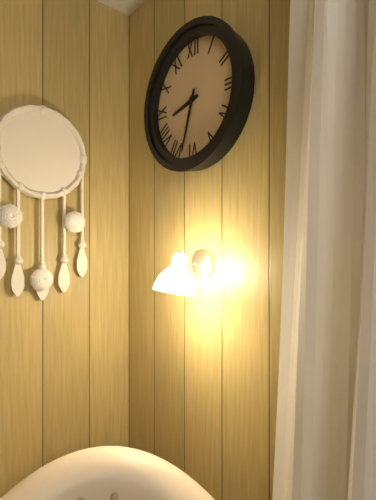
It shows h=8 m=33
